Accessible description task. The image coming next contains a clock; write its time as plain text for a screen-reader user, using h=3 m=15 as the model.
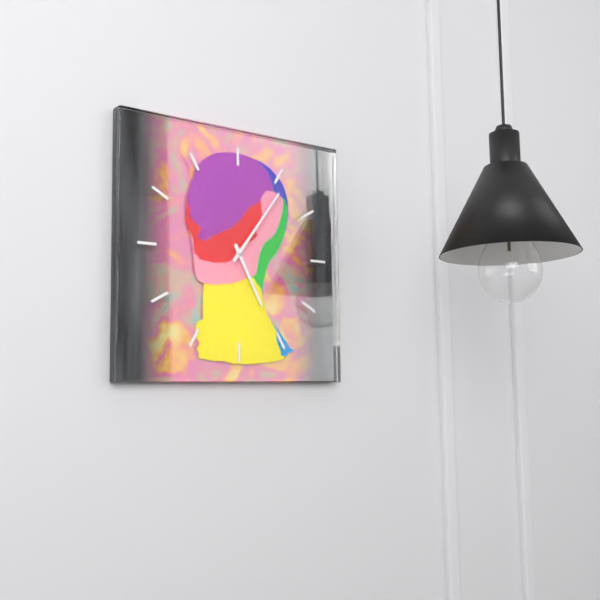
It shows h=5 m=6
